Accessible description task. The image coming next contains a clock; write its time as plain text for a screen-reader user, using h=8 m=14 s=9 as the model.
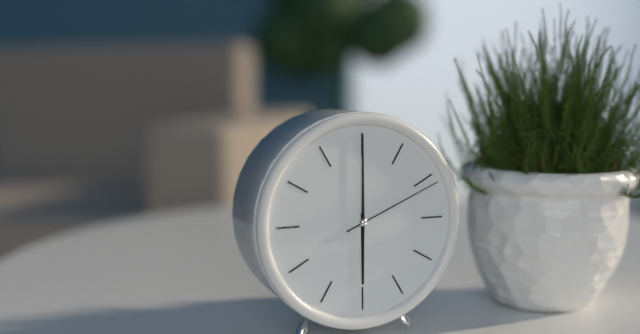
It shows h=6 m=0 s=11
